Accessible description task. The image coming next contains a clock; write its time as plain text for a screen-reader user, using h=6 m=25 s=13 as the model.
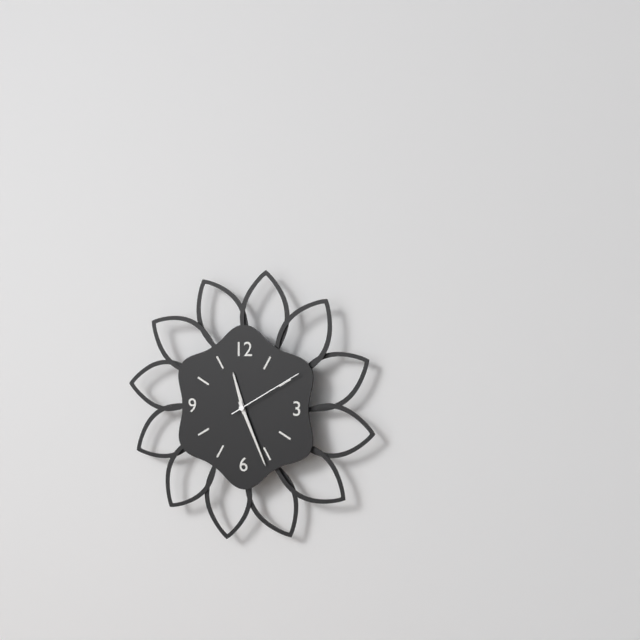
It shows h=11 m=26 s=10
